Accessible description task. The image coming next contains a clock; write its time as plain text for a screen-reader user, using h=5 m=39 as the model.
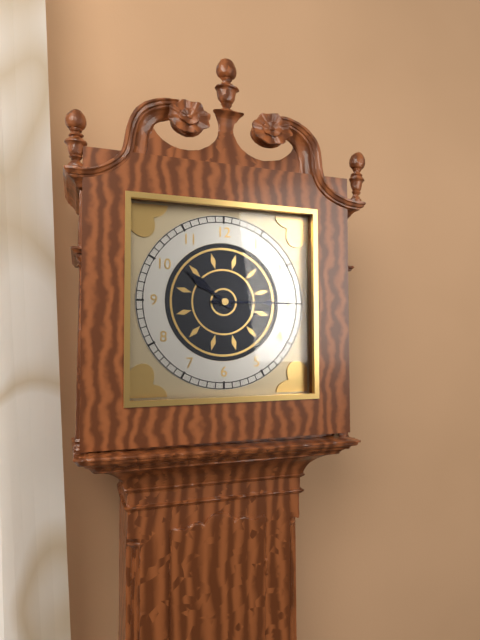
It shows h=10 m=15
